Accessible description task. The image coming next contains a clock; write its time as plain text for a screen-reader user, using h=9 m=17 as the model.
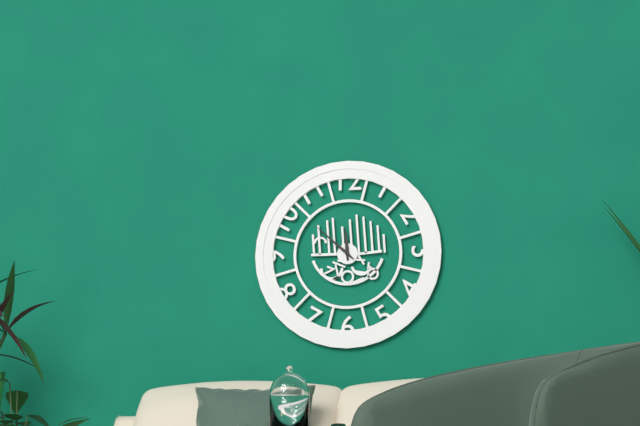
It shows h=11 m=52
